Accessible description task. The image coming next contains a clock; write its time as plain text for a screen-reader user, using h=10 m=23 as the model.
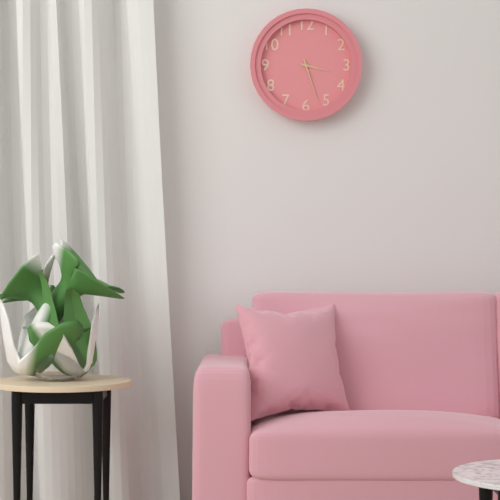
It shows h=3 m=27
